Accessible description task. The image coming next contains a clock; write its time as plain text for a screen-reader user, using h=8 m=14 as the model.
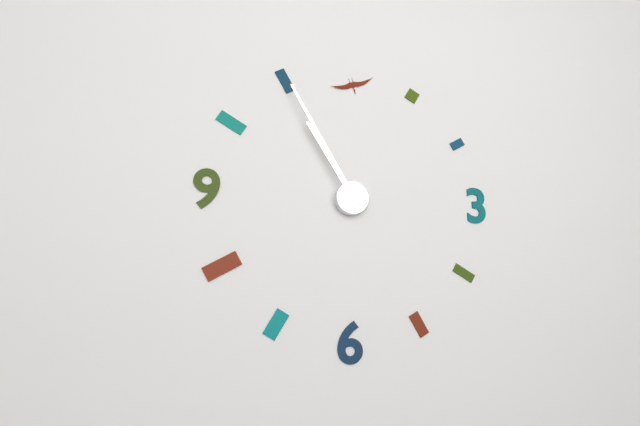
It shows h=10 m=55
